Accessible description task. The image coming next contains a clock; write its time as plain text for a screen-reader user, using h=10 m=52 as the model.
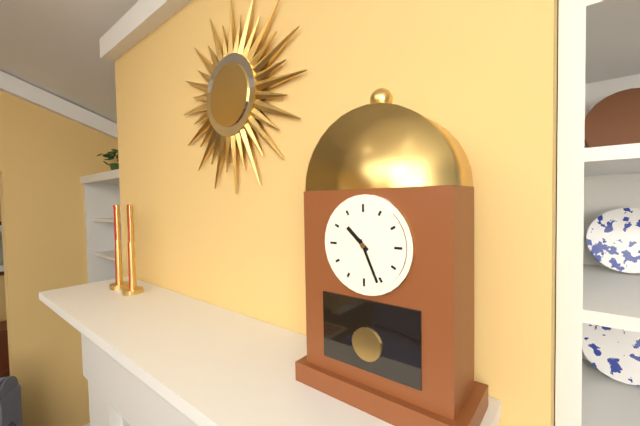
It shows h=10 m=26
